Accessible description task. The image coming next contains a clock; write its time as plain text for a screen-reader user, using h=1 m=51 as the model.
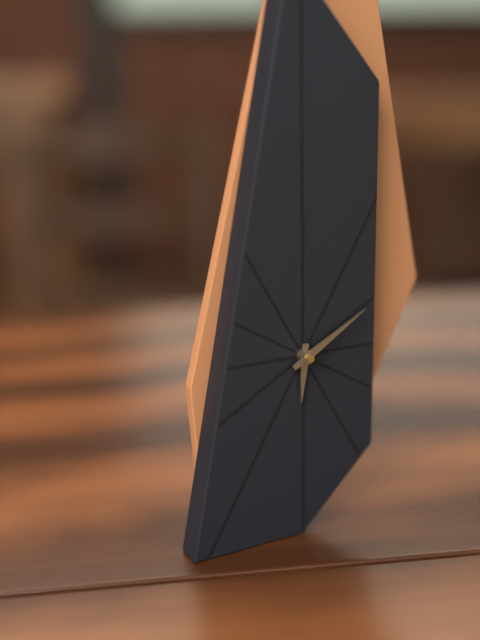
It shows h=6 m=10
